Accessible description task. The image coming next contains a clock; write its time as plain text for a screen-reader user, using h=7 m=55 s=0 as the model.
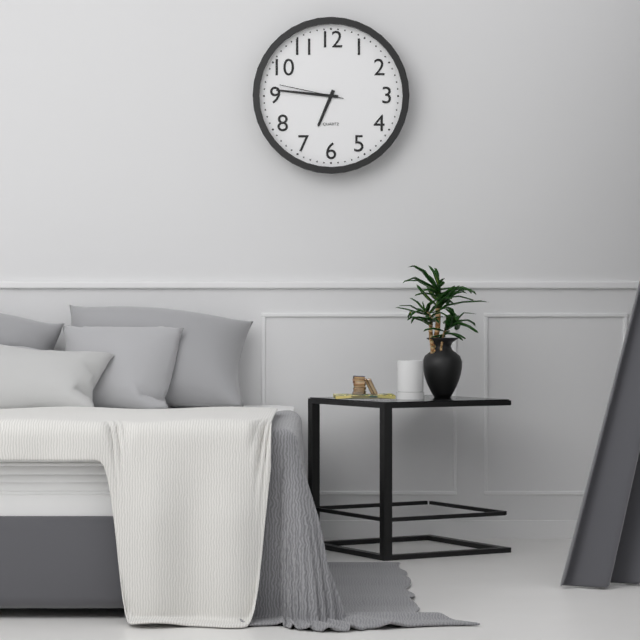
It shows h=6 m=46 s=47
